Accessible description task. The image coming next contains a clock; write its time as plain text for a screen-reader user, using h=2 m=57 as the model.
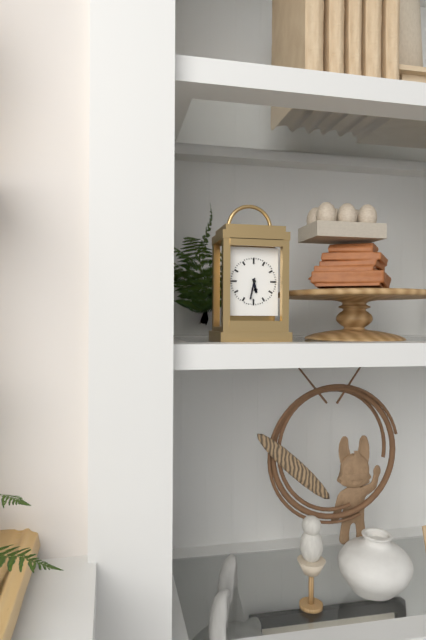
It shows h=5 m=32
